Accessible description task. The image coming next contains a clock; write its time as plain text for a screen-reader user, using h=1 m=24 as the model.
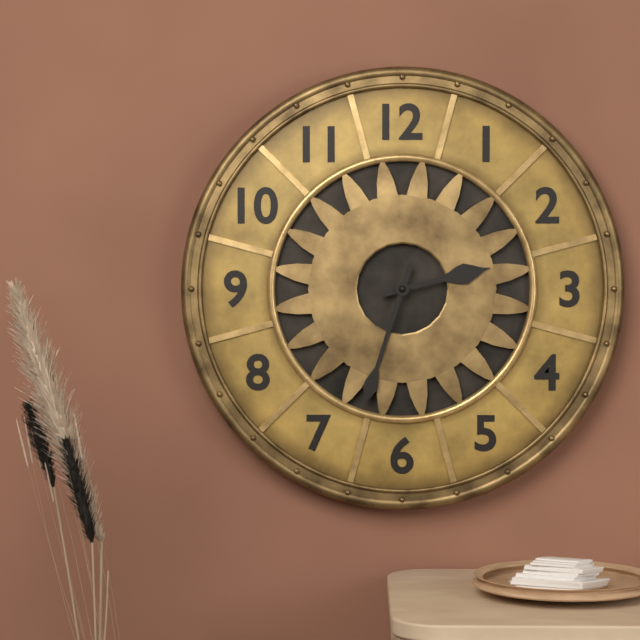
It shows h=2 m=33
